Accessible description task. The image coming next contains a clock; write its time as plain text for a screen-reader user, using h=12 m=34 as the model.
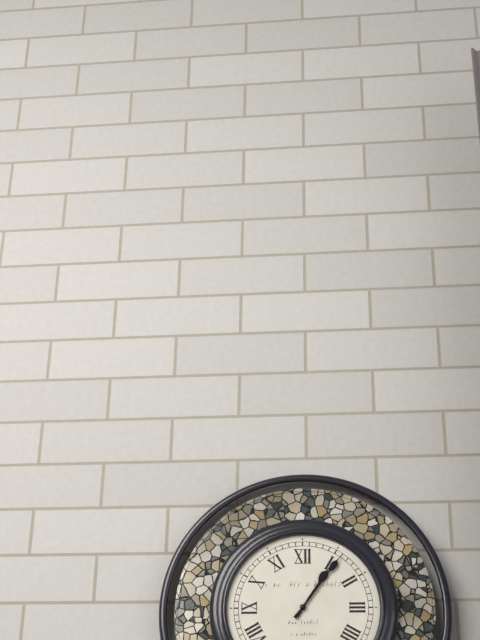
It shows h=1 m=6
